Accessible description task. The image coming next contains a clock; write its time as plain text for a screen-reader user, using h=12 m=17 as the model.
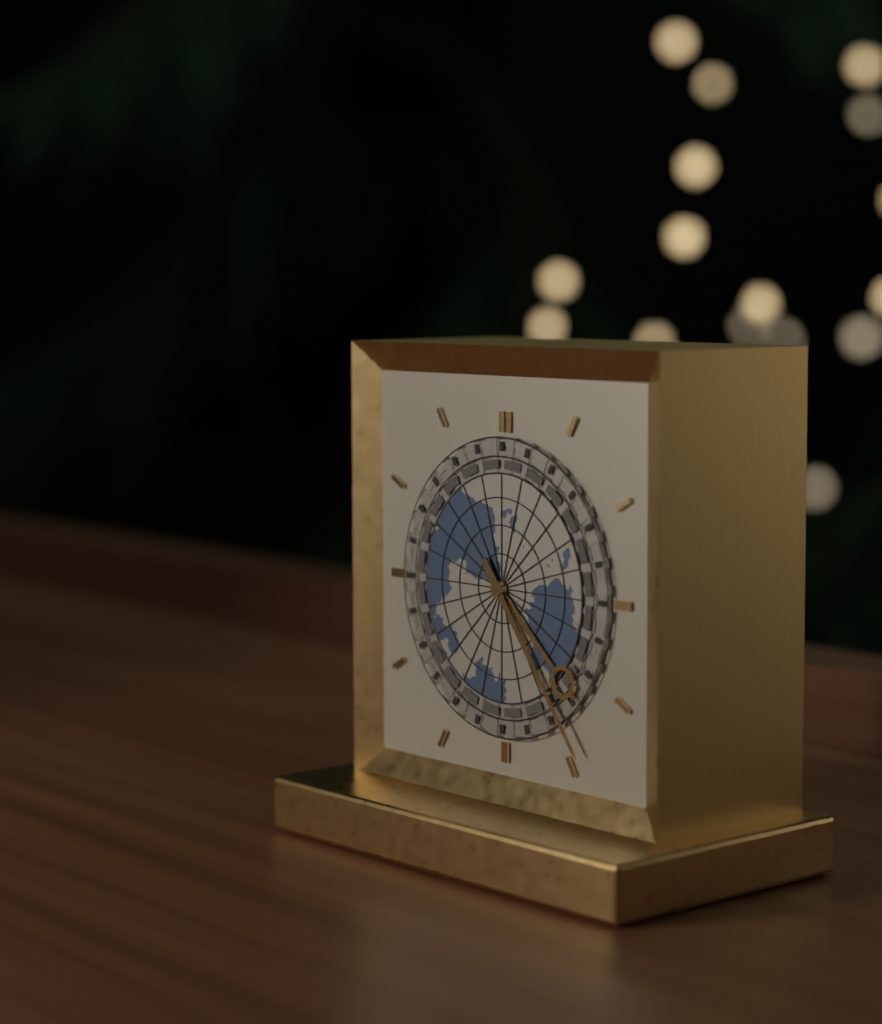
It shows h=4 m=24
